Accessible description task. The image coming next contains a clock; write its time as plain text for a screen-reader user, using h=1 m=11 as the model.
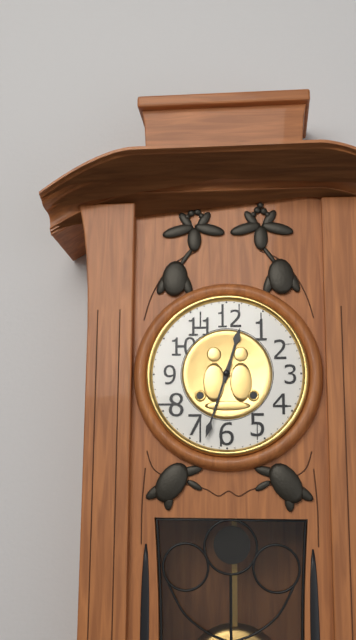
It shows h=12 m=33
